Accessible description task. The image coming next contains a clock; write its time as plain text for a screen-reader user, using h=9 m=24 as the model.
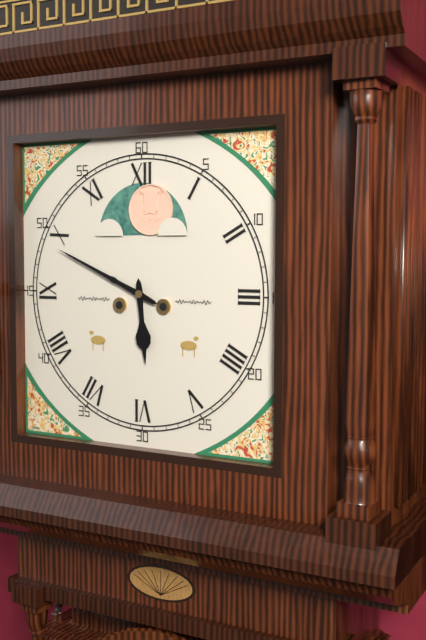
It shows h=5 m=49
